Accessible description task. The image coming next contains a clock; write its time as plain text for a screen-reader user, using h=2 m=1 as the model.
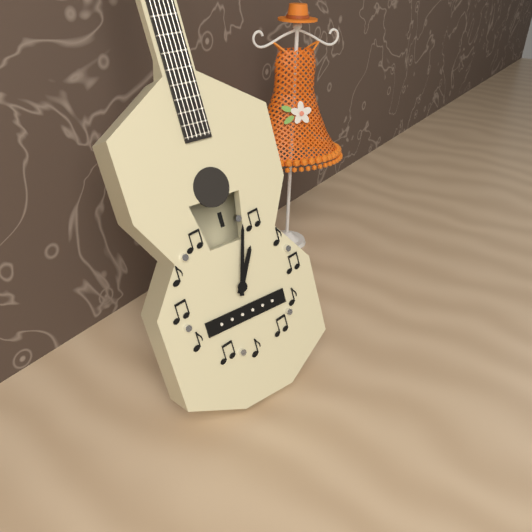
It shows h=1 m=3
